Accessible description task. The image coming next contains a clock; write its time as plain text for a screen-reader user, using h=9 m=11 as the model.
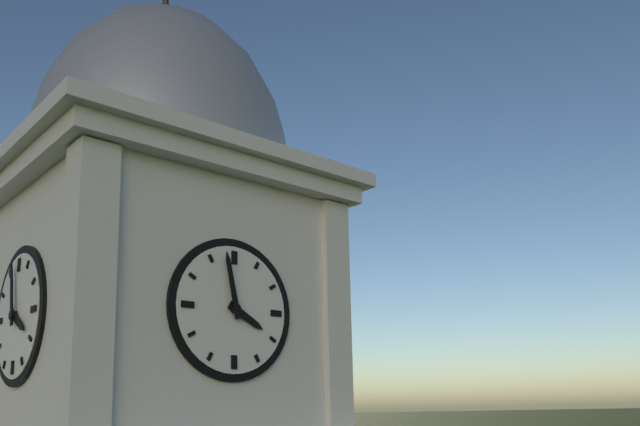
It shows h=3 m=58
